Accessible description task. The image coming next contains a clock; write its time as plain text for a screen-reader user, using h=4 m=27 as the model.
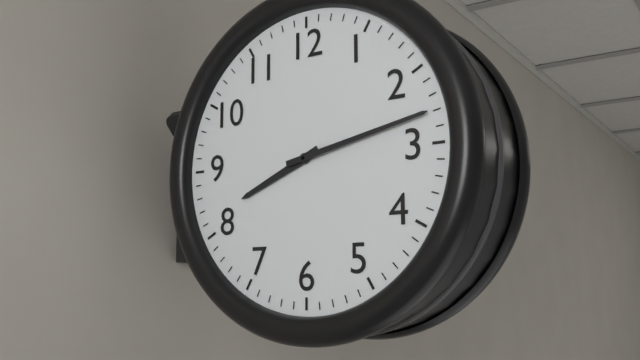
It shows h=8 m=13
